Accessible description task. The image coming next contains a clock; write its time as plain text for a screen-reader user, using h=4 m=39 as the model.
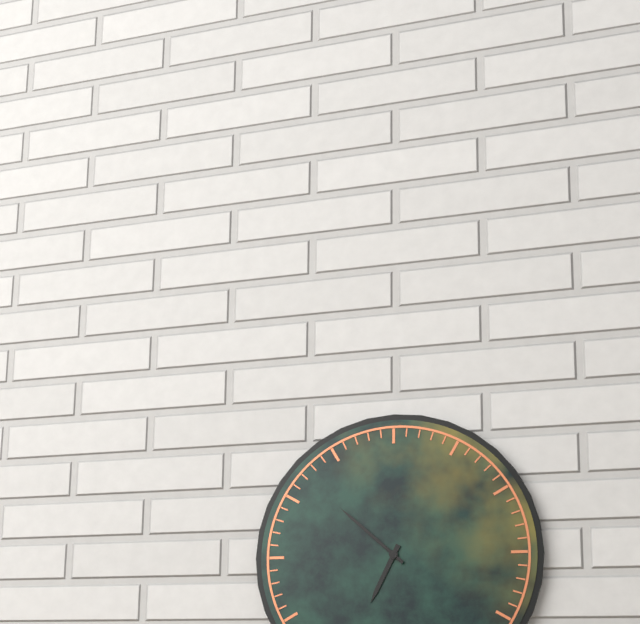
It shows h=6 m=52
